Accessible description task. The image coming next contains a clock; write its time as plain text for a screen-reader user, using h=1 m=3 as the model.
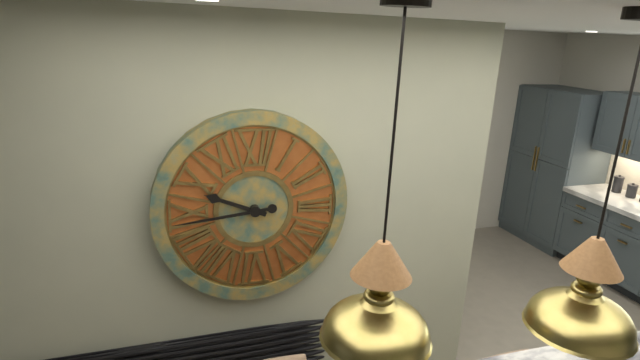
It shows h=9 m=44
